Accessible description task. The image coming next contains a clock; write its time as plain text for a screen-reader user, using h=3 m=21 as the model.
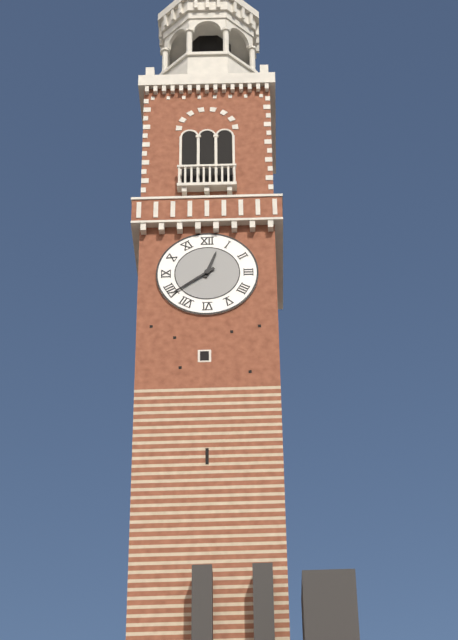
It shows h=12 m=39
